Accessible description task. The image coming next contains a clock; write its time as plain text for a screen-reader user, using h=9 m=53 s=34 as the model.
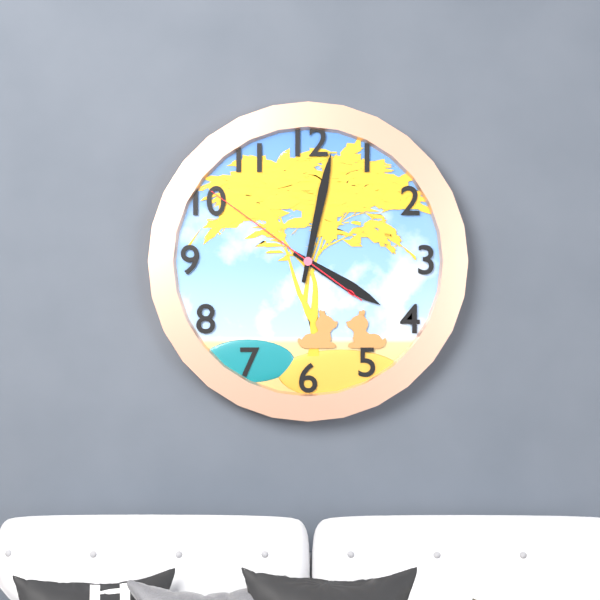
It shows h=4 m=2 s=51
